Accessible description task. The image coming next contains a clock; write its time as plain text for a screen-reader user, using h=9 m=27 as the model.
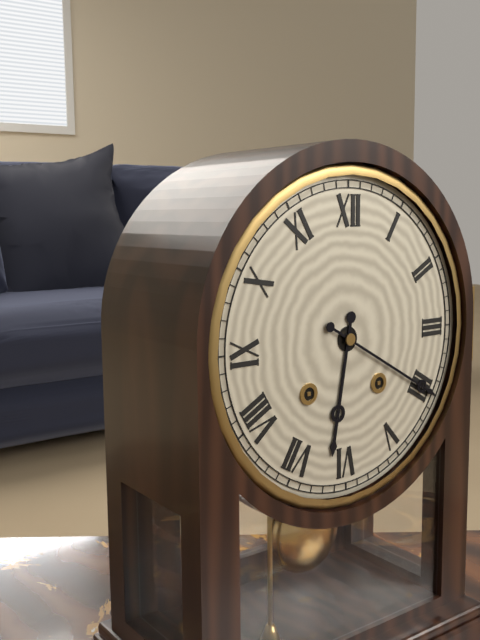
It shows h=6 m=20
